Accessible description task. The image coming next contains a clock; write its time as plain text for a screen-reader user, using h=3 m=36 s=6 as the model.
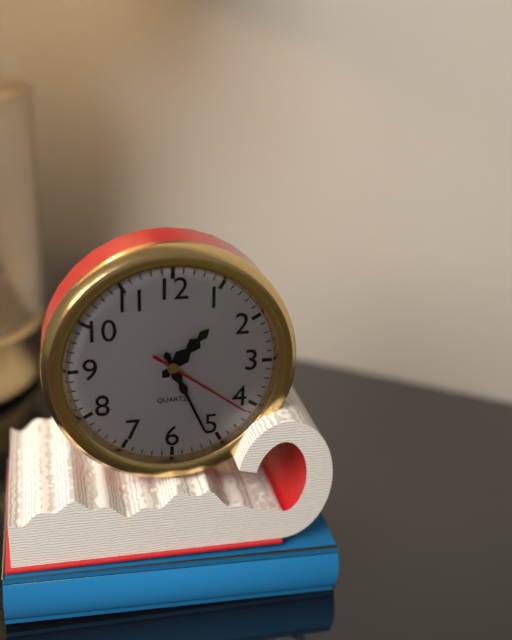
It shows h=1 m=26 s=21
